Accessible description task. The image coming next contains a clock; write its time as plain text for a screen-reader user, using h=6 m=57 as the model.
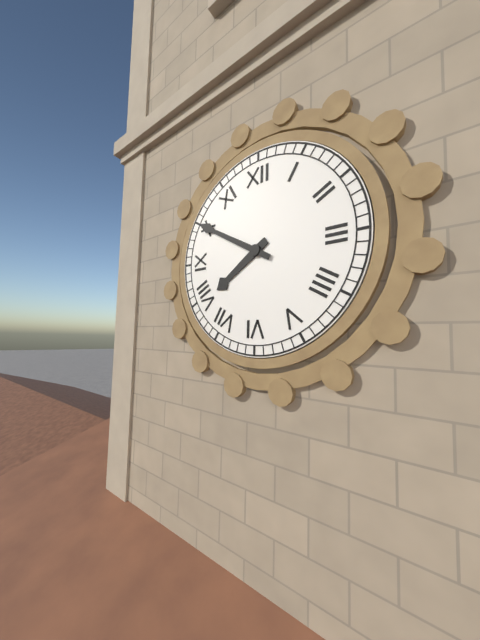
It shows h=7 m=50
